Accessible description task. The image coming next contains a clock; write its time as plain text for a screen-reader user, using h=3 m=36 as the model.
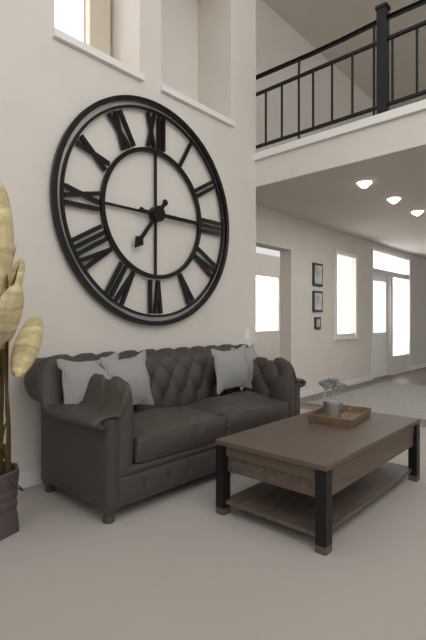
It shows h=7 m=15
